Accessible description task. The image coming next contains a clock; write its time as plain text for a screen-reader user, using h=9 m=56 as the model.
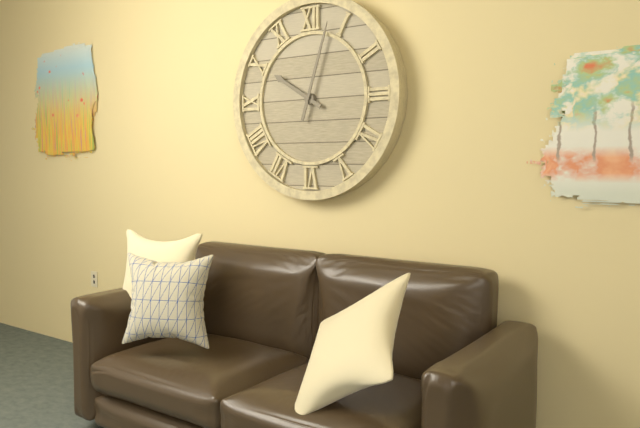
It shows h=10 m=3
